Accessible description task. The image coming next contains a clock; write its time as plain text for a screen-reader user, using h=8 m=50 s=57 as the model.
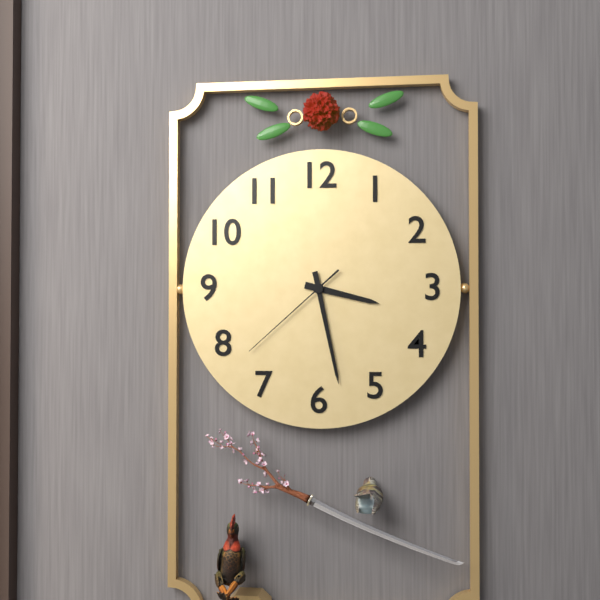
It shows h=3 m=28 s=38
